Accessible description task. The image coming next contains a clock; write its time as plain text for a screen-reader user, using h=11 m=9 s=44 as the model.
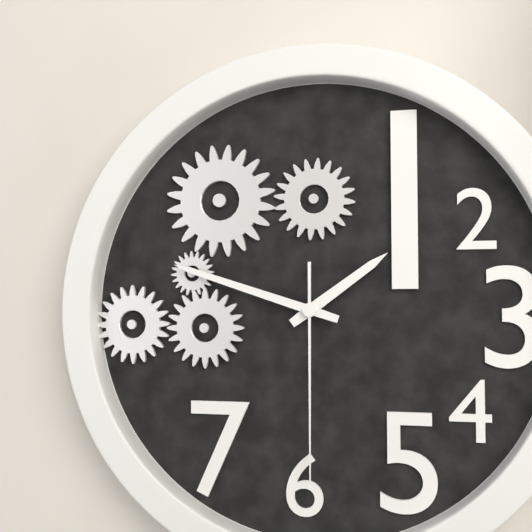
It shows h=1 m=48 s=30
